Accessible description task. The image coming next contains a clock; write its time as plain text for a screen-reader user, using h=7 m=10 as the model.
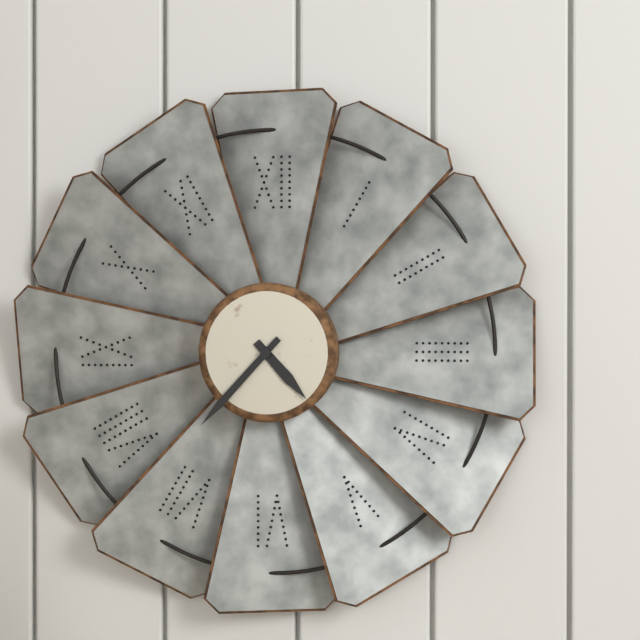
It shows h=4 m=37
